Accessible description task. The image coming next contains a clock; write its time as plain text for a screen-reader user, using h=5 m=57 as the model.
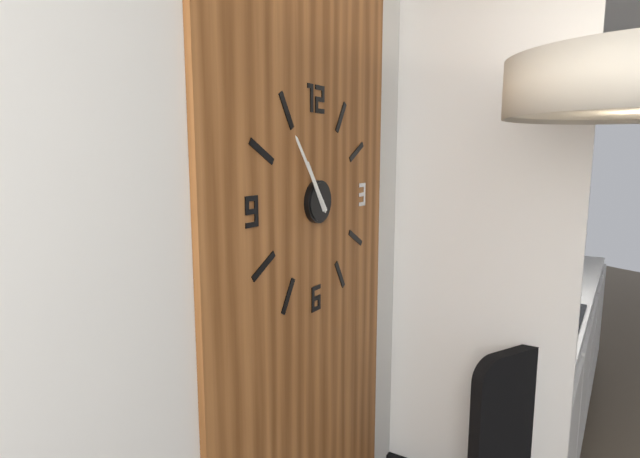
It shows h=10 m=54
